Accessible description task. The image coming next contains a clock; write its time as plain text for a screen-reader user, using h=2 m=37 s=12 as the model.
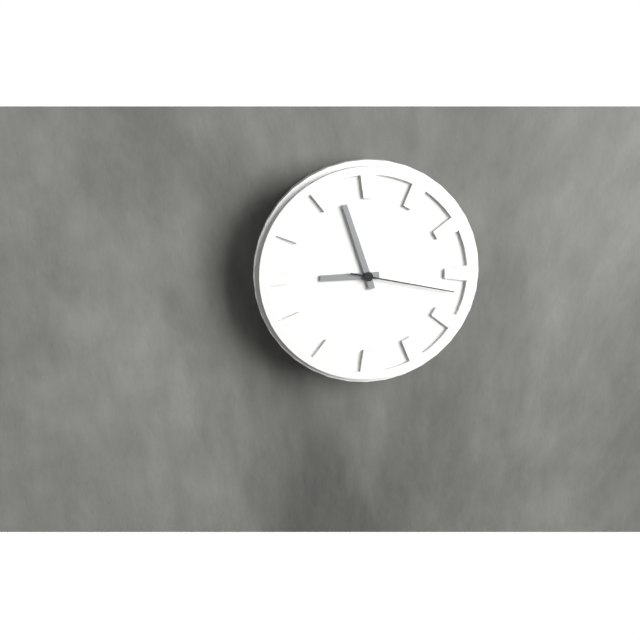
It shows h=8 m=57 s=17
